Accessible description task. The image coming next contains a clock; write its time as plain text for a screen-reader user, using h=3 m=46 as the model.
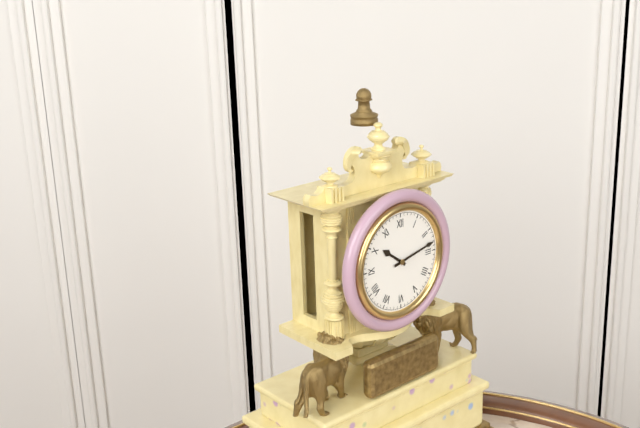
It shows h=10 m=13
